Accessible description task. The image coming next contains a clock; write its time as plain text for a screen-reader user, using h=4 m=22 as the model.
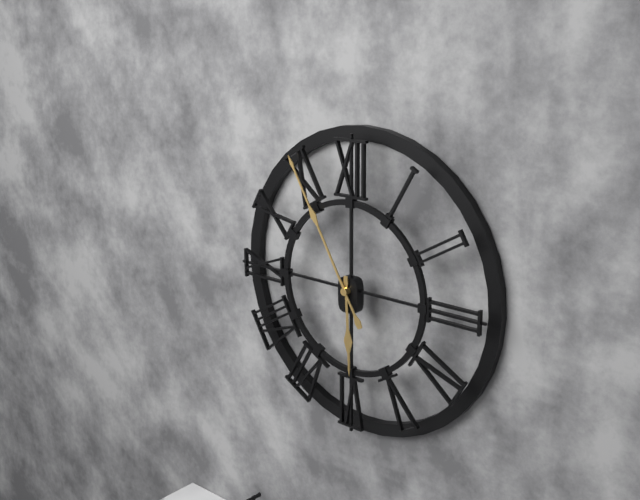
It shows h=5 m=55
